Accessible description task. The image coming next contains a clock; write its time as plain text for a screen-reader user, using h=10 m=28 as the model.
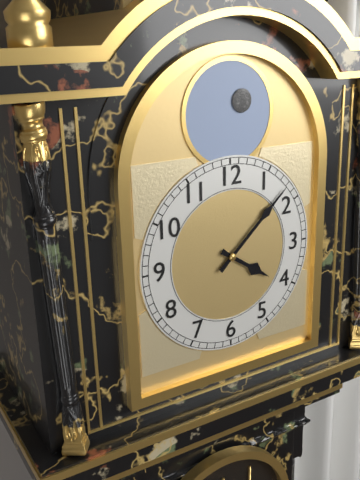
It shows h=4 m=8
